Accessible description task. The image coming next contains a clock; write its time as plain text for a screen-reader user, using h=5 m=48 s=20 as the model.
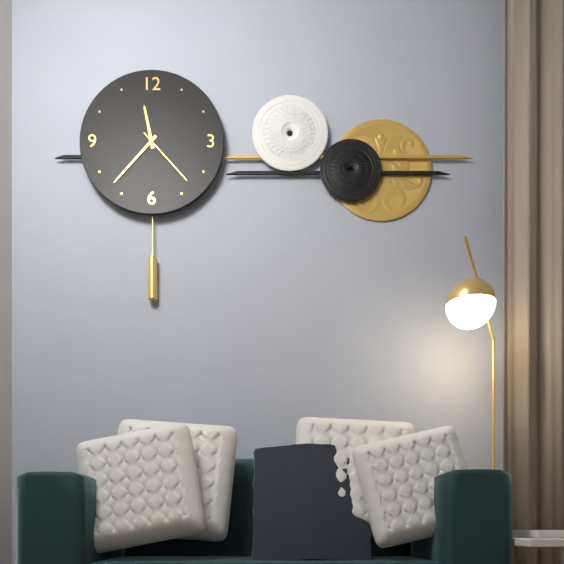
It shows h=11 m=37 s=23
